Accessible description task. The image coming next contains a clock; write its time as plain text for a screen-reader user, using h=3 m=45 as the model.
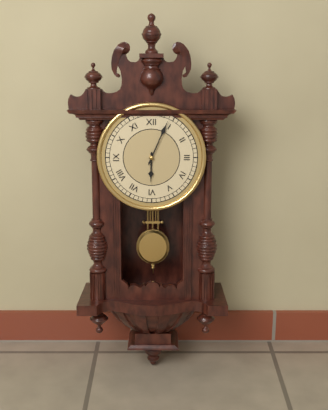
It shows h=6 m=4
